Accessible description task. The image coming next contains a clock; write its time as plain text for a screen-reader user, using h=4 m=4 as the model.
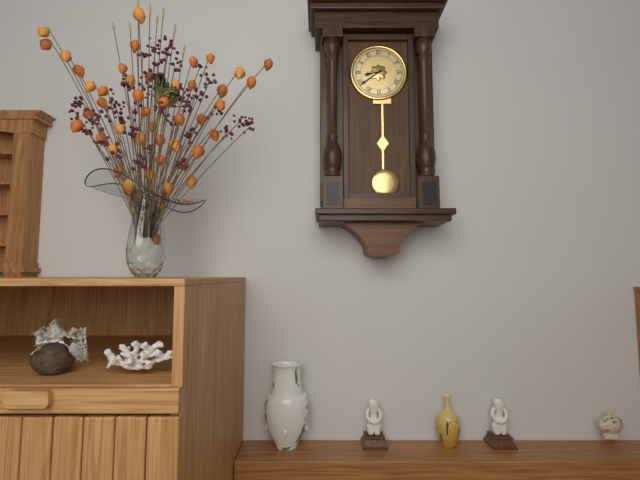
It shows h=8 m=39
